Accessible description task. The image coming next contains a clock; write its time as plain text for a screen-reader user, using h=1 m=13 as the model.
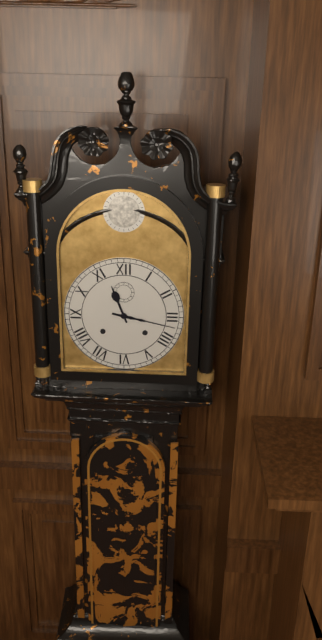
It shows h=11 m=17
